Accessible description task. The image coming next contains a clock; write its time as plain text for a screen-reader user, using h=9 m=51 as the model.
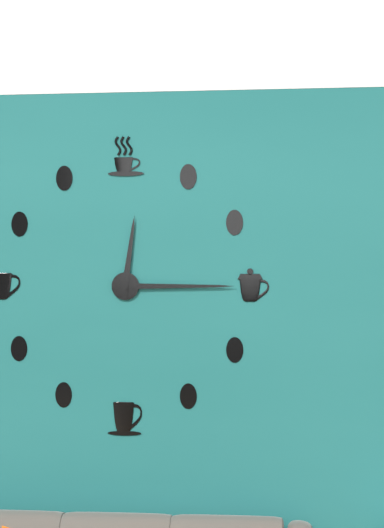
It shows h=12 m=15
